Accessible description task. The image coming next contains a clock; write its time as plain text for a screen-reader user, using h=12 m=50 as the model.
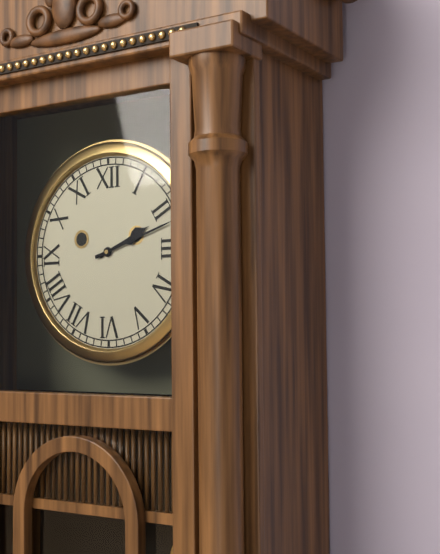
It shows h=2 m=12
